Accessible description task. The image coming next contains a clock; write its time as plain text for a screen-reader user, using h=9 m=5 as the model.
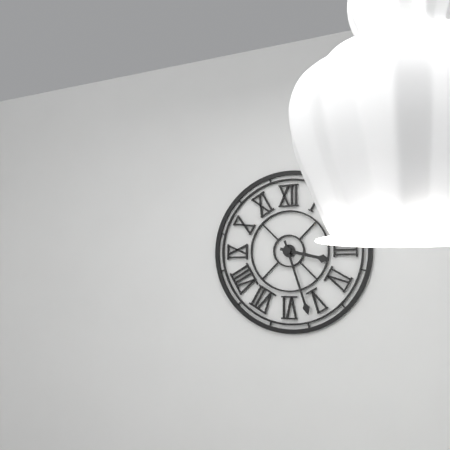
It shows h=3 m=27
